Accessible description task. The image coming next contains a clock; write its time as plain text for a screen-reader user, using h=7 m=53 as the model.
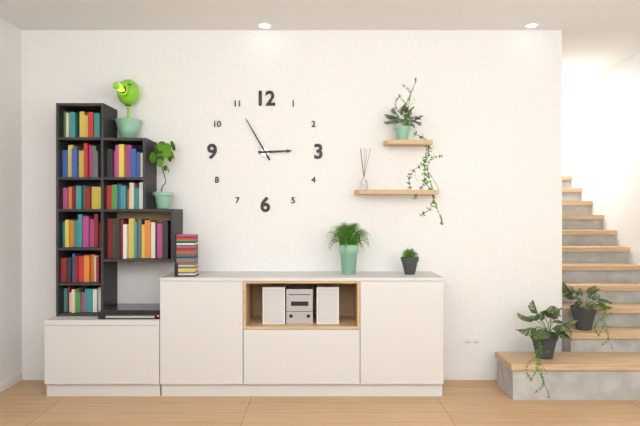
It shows h=2 m=55
